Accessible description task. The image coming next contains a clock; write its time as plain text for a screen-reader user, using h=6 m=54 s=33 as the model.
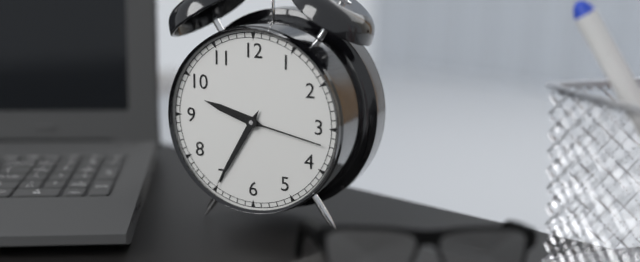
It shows h=9 m=35 s=17
